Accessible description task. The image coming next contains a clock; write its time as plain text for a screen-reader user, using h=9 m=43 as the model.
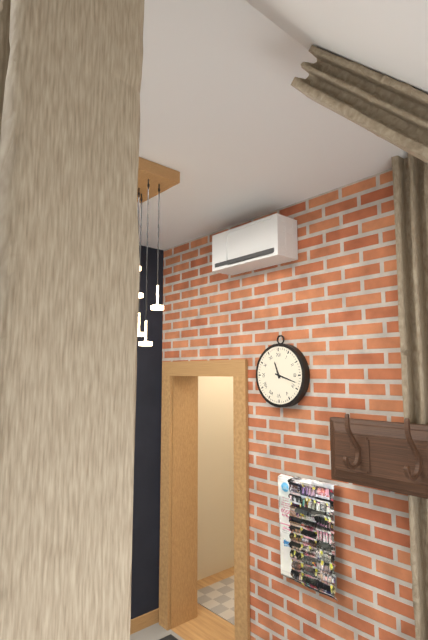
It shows h=11 m=18
